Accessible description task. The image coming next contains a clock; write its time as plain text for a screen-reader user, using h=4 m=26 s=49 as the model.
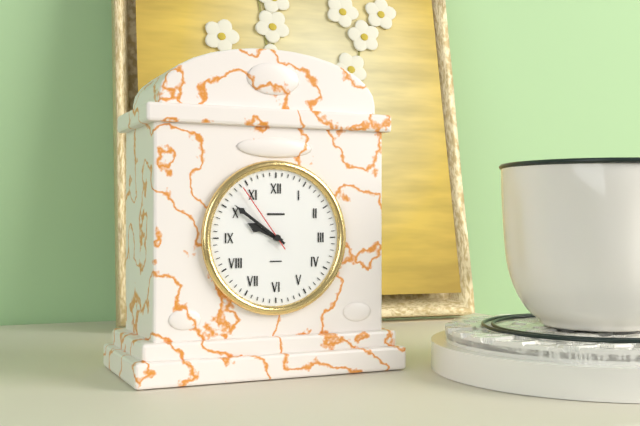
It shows h=9 m=51 s=54
